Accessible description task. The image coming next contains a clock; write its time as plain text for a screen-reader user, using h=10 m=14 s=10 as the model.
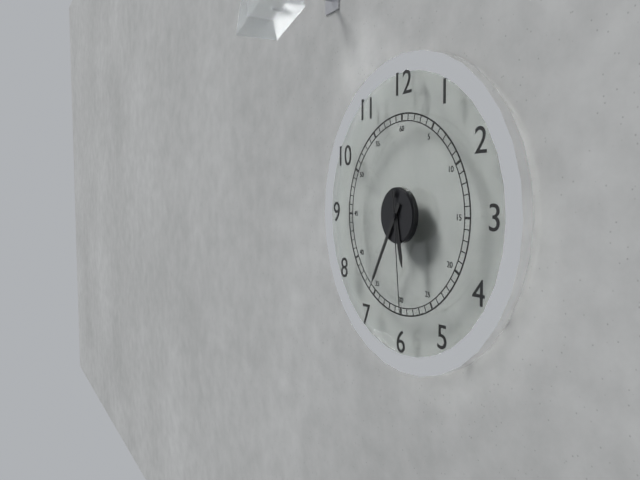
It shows h=5 m=35 s=29
